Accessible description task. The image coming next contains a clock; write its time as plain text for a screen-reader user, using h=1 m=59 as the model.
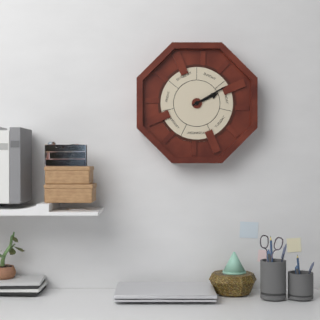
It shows h=2 m=10
